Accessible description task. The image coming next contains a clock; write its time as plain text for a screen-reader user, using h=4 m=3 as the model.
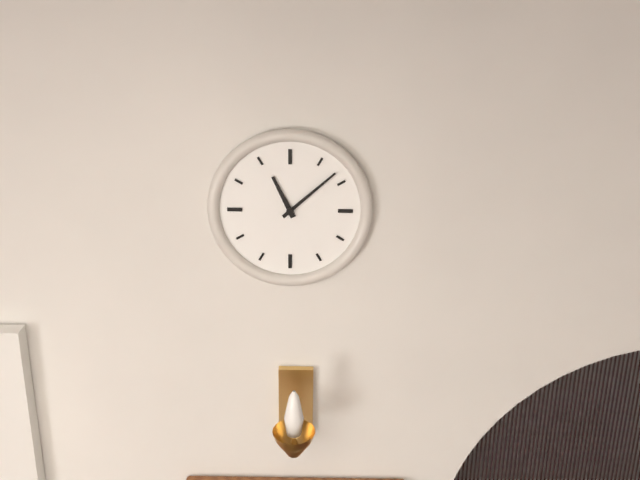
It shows h=11 m=8
